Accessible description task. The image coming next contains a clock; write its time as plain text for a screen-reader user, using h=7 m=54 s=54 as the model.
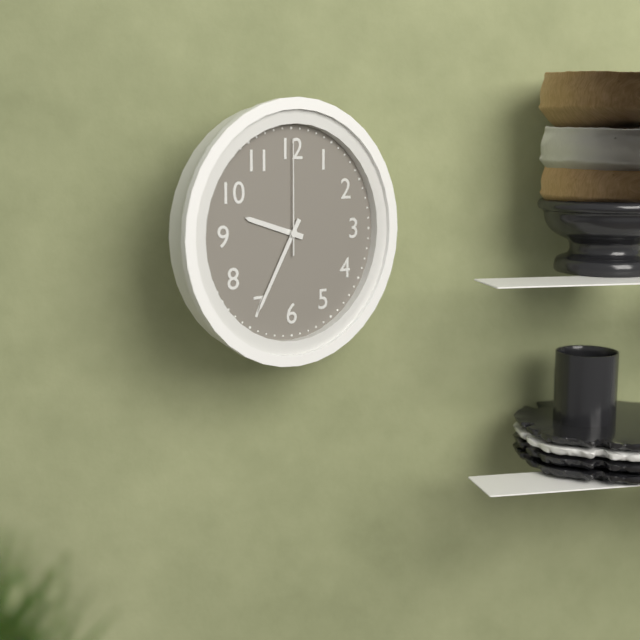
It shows h=9 m=35 s=0
